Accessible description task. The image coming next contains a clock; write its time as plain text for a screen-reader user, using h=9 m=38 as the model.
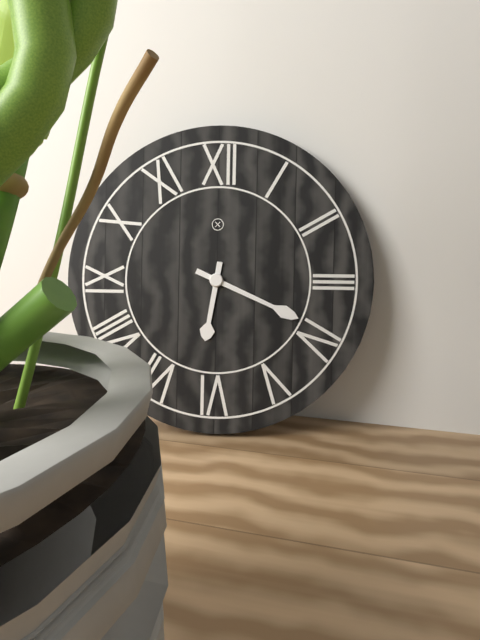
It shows h=6 m=19
